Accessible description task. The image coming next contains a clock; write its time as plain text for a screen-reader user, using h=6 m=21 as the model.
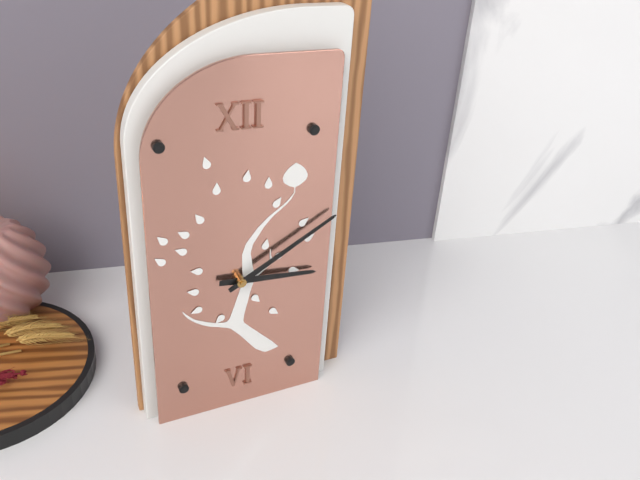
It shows h=3 m=10
